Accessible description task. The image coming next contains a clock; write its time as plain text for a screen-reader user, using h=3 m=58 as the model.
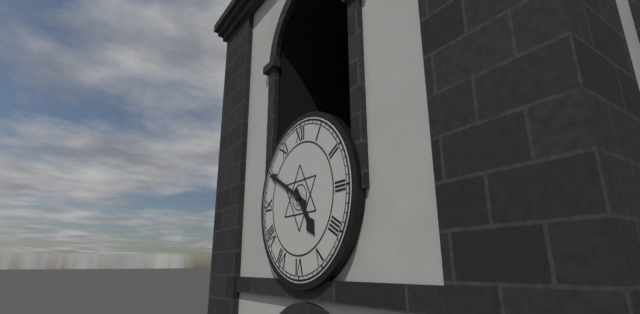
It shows h=4 m=50
